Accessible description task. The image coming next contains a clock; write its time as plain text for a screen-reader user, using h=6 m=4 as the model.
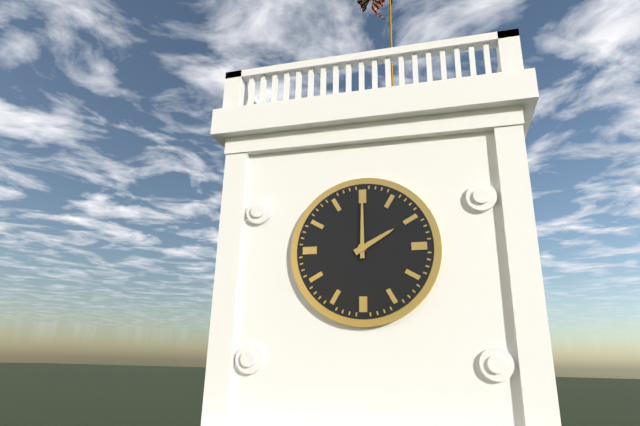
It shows h=2 m=0
